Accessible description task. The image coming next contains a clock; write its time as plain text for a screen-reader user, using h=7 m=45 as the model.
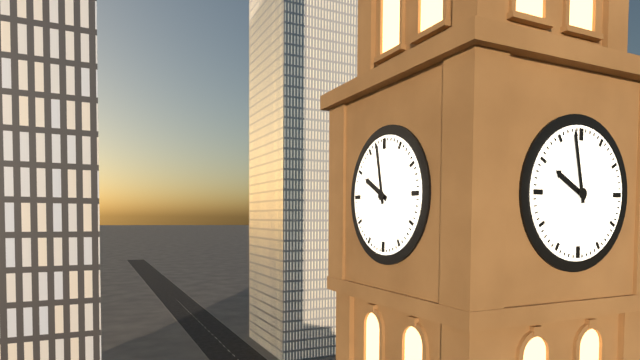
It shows h=9 m=58
